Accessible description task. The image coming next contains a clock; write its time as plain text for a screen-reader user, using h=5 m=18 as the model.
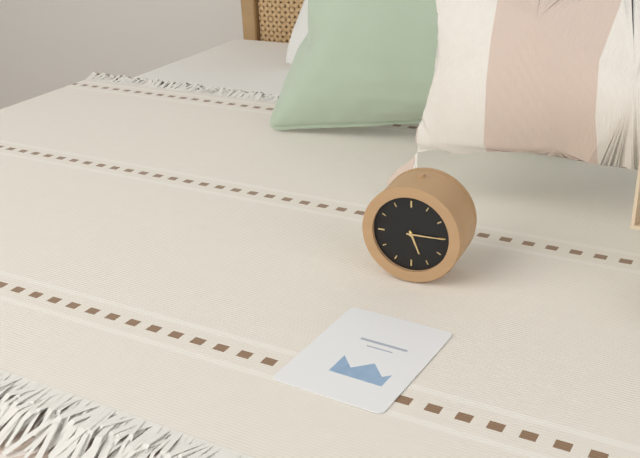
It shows h=5 m=15
